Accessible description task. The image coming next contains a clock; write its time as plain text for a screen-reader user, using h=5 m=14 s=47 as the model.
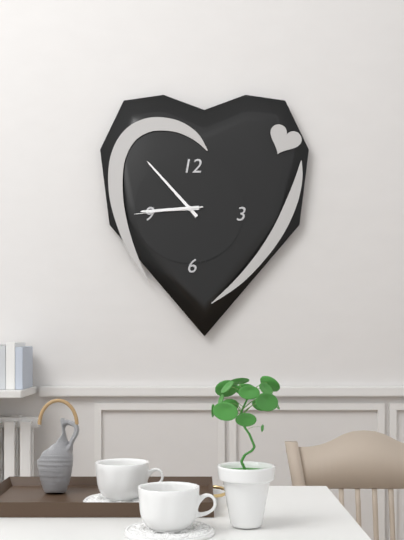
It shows h=8 m=53 s=44
